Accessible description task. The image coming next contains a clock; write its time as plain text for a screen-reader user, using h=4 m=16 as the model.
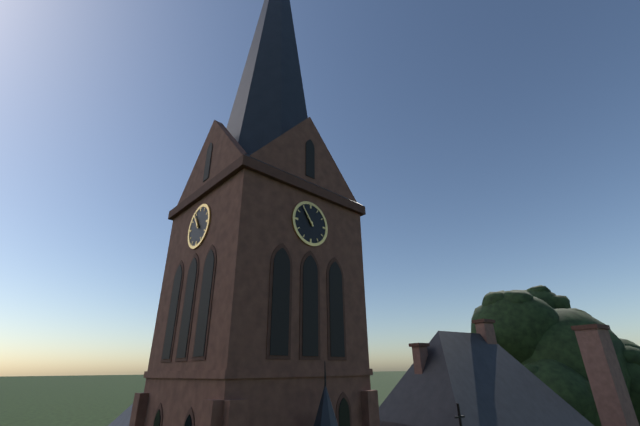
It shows h=10 m=54
